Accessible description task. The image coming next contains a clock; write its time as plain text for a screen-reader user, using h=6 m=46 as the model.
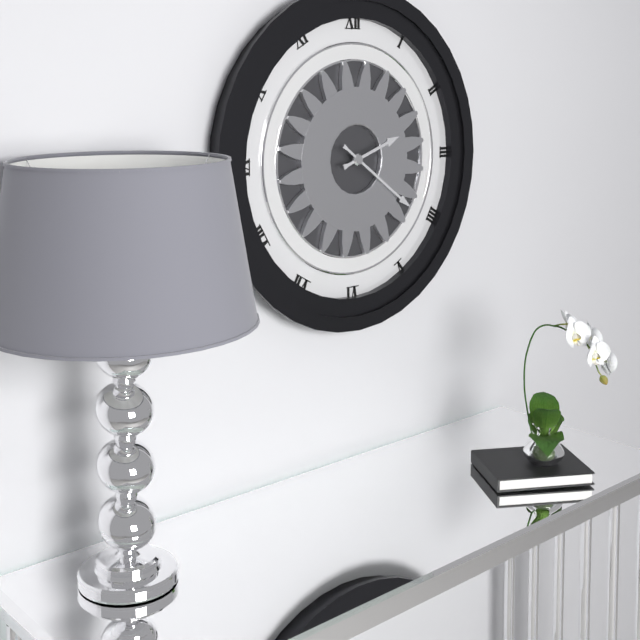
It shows h=2 m=21
